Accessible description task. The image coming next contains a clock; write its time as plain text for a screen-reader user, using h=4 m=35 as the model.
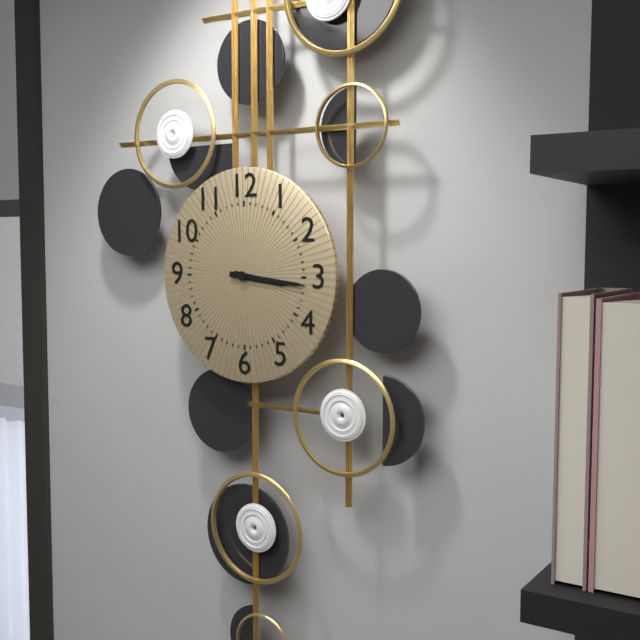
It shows h=3 m=16
